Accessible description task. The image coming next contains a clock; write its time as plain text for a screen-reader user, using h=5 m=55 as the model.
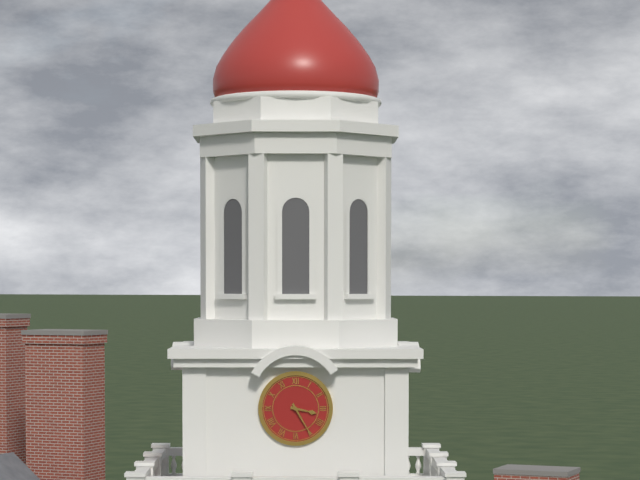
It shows h=3 m=25
